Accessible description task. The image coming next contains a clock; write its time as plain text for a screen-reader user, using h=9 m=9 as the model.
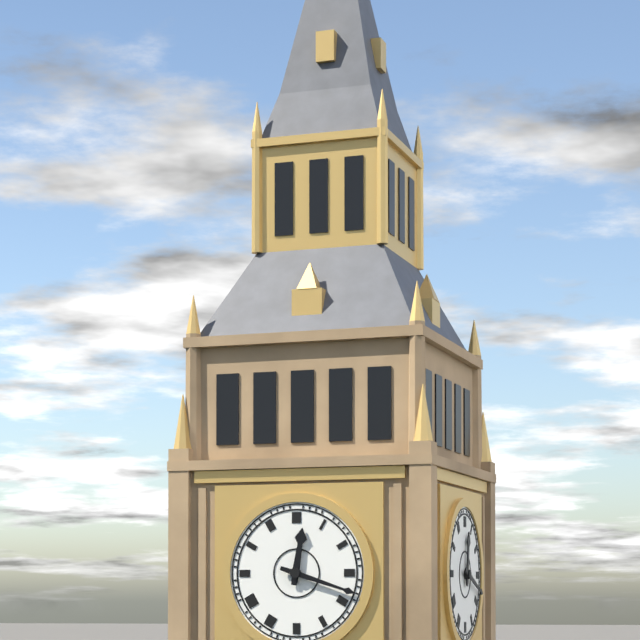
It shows h=12 m=18
